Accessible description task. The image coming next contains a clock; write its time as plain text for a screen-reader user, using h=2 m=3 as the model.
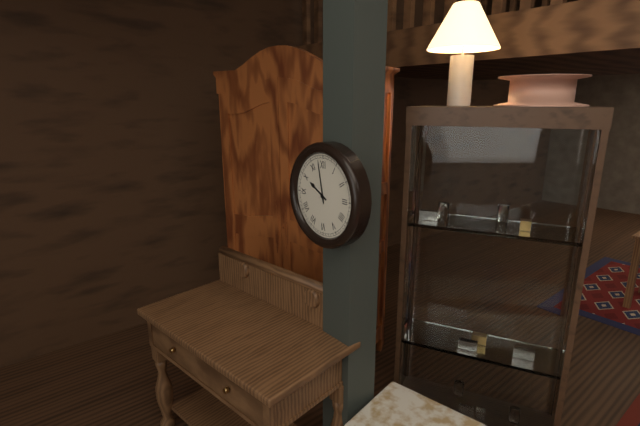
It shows h=9 m=58
